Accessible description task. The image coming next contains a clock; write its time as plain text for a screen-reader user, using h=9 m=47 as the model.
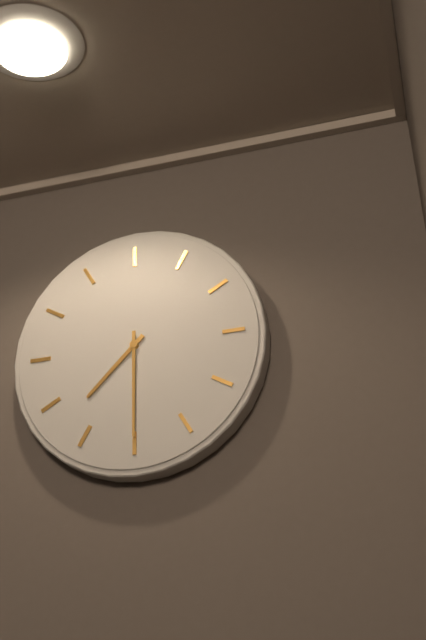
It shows h=7 m=30
